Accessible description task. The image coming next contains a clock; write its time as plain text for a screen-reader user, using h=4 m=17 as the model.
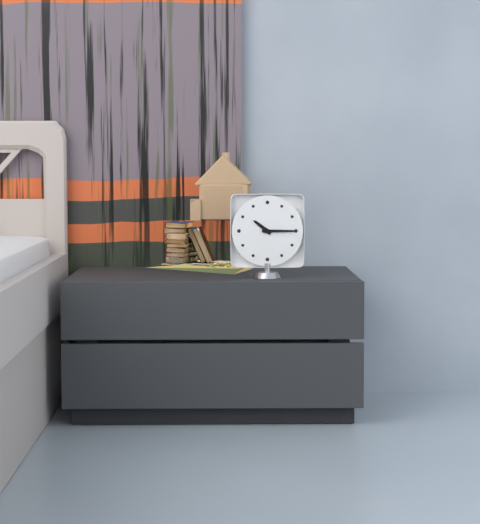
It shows h=10 m=15
